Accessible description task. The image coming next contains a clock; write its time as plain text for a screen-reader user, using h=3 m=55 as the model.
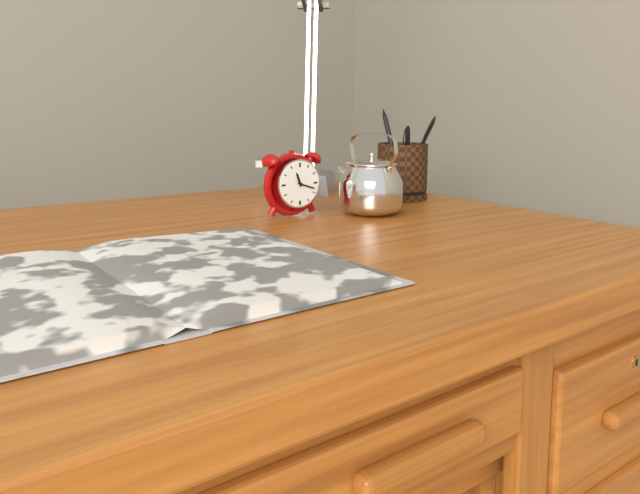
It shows h=11 m=18
